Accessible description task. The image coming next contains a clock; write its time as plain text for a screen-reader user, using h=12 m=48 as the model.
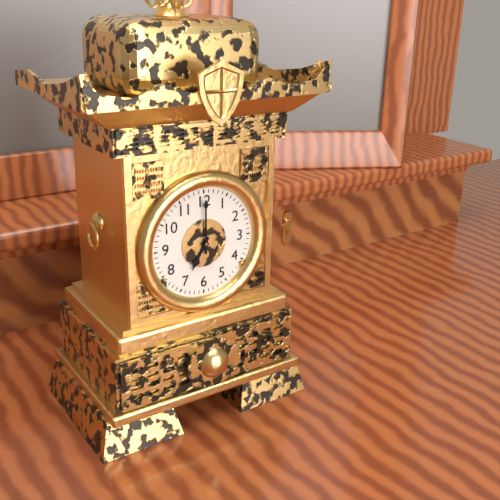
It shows h=7 m=0
